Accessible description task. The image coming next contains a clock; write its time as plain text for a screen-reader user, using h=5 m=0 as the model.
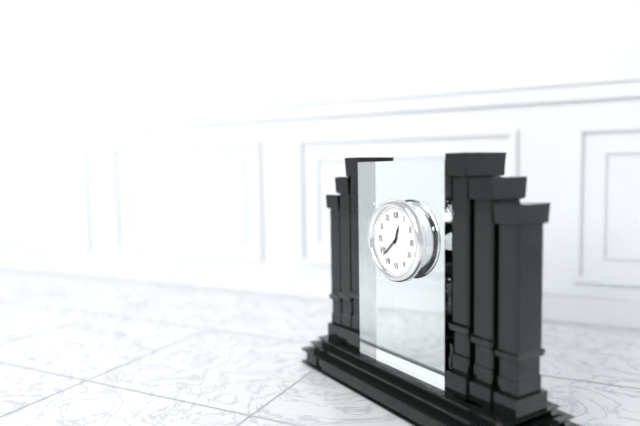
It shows h=12 m=38
